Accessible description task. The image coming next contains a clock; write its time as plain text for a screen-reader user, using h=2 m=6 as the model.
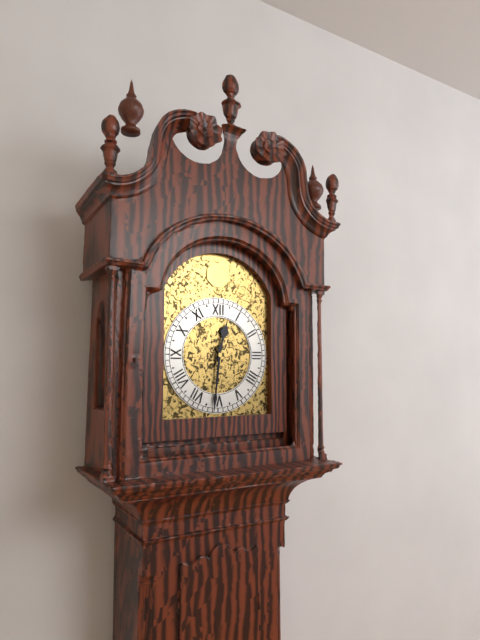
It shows h=12 m=31
